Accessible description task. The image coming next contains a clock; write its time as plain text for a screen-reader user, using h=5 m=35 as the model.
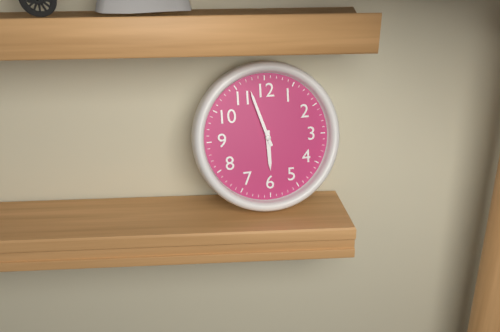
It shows h=5 m=57
